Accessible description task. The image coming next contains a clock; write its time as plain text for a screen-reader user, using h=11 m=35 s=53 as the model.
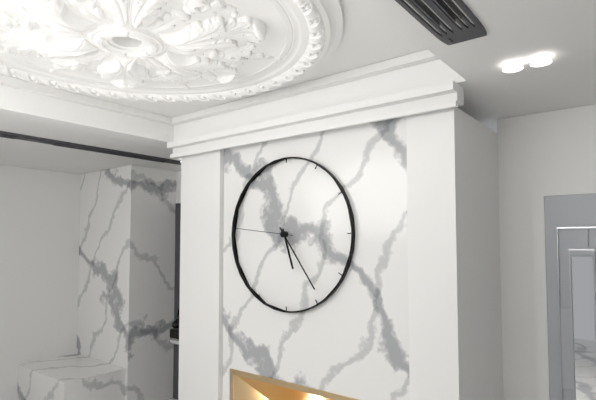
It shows h=5 m=24 s=46
